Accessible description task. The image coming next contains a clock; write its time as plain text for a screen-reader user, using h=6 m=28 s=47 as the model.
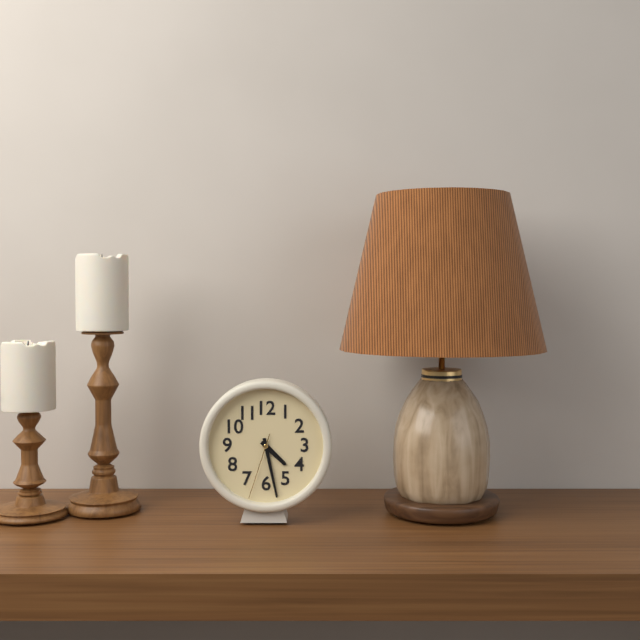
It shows h=4 m=28 s=33
